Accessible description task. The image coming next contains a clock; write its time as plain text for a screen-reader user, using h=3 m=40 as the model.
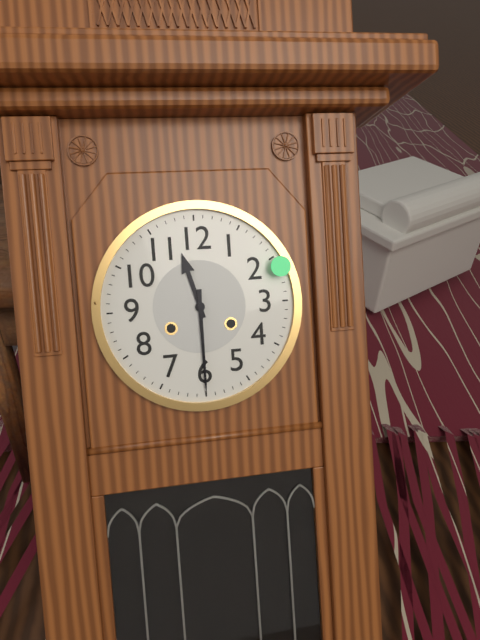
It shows h=11 m=30
